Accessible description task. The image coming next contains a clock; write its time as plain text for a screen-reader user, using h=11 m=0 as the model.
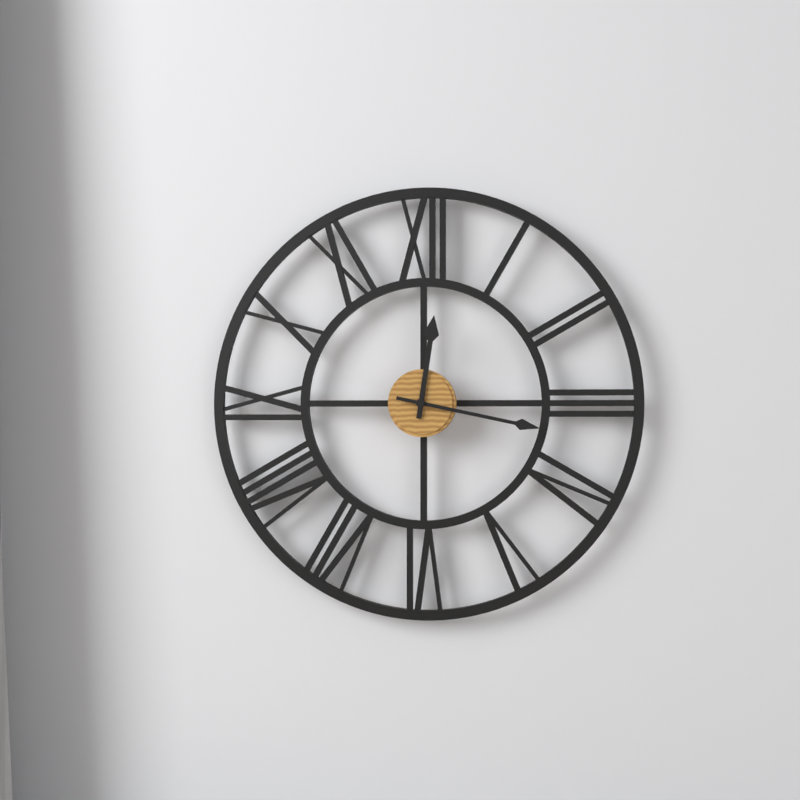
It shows h=12 m=17
